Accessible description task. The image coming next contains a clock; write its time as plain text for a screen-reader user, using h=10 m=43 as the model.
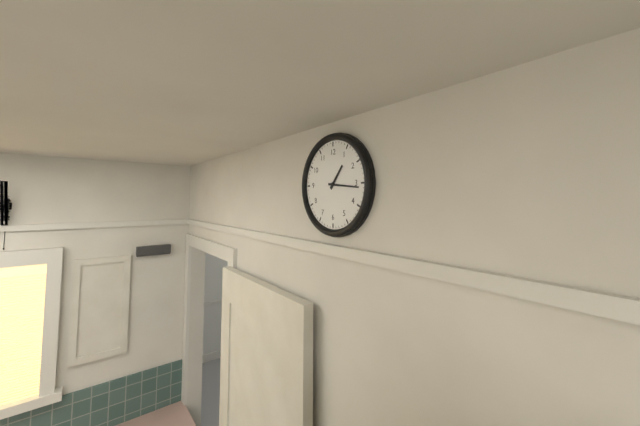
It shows h=1 m=16
